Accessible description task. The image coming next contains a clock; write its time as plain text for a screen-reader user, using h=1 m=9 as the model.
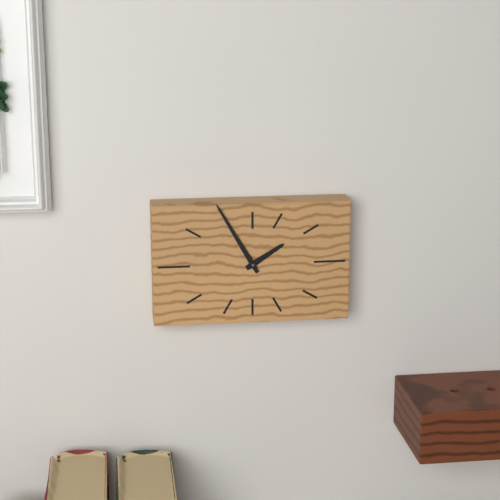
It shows h=1 m=55
